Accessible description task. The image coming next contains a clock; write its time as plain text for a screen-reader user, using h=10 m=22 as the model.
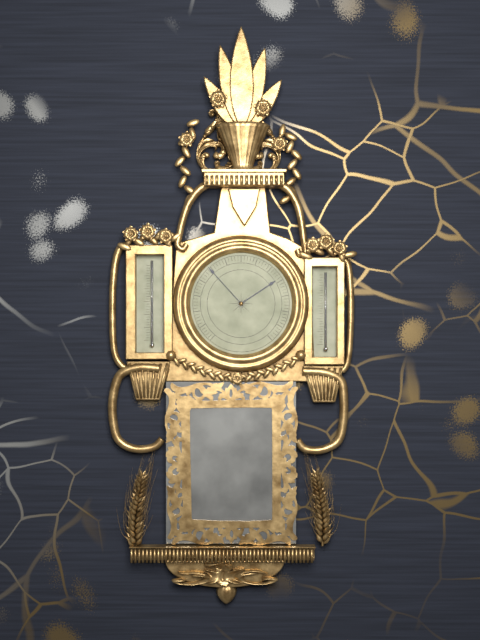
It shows h=1 m=53
